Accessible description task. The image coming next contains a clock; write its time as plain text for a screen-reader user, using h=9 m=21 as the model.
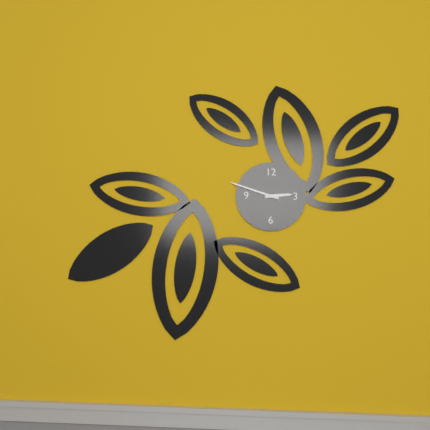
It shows h=2 m=48
